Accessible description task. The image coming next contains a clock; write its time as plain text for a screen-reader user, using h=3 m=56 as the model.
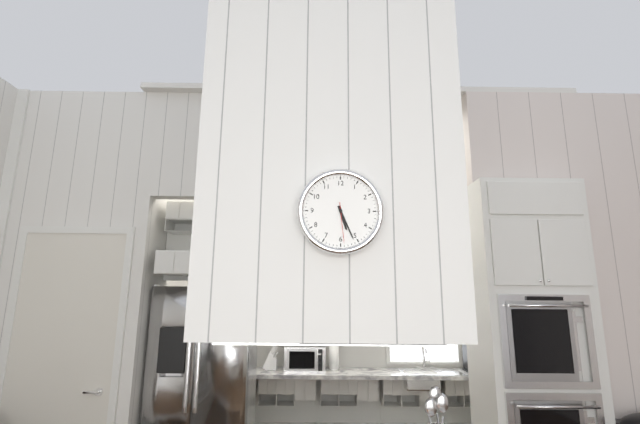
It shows h=5 m=26
